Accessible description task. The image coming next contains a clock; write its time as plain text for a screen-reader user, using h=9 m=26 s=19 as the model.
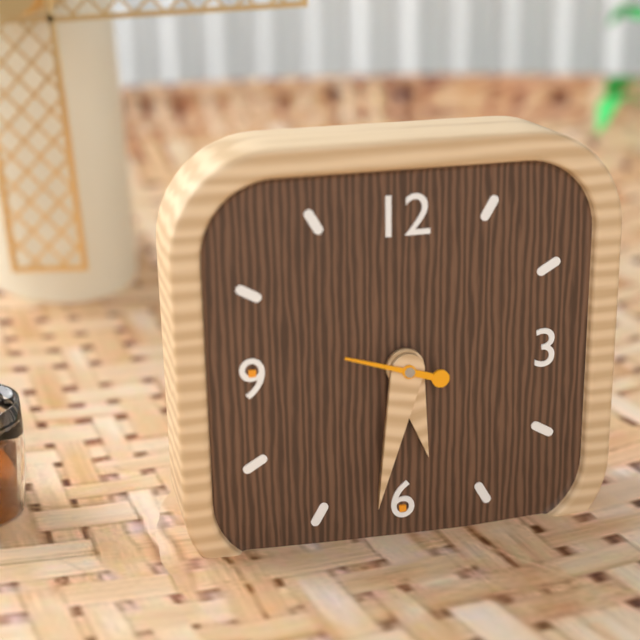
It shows h=5 m=32 s=48
